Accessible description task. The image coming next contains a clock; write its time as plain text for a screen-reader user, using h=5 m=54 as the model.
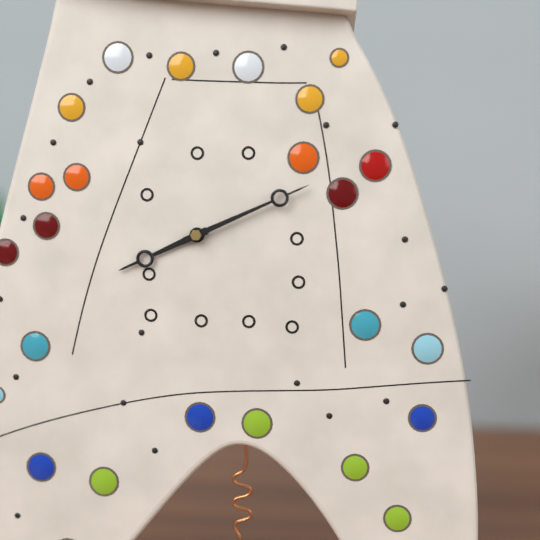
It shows h=8 m=11
